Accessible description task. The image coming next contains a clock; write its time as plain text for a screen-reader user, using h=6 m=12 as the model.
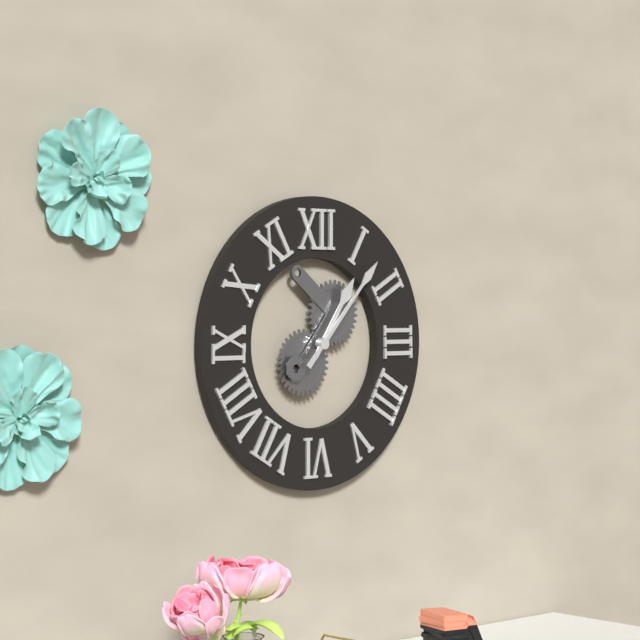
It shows h=1 m=7
